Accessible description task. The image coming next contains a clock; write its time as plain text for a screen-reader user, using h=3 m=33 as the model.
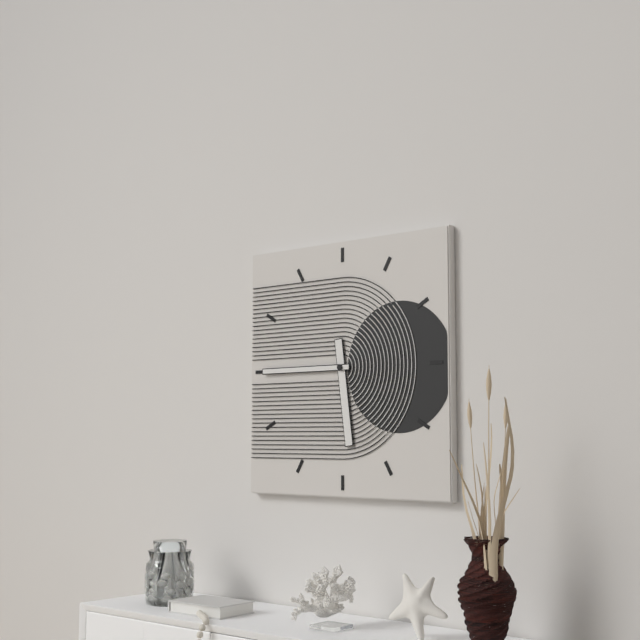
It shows h=5 m=45
